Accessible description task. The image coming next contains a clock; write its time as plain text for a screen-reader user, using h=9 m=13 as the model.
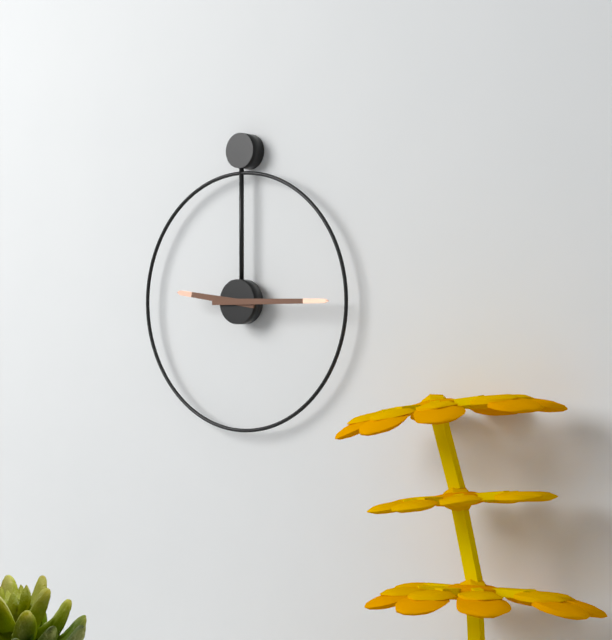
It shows h=9 m=15
